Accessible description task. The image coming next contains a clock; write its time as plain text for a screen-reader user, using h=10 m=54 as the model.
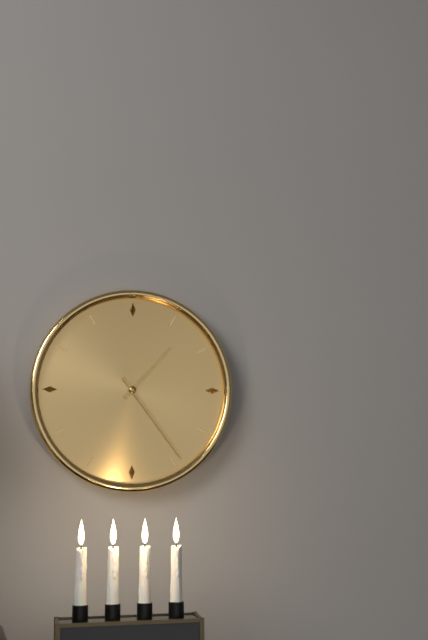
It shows h=1 m=24
